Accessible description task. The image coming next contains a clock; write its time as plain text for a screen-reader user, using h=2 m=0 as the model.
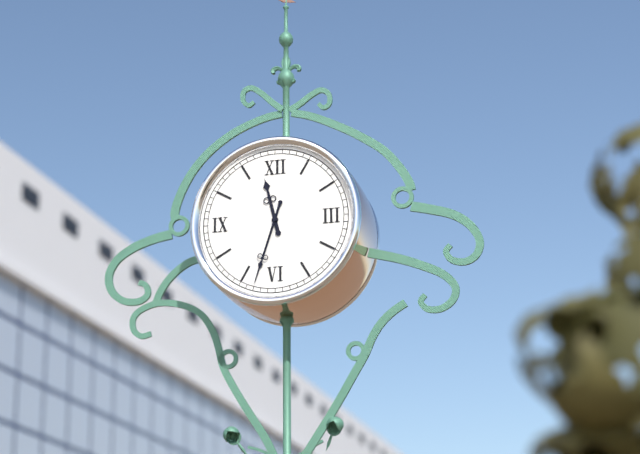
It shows h=11 m=33
